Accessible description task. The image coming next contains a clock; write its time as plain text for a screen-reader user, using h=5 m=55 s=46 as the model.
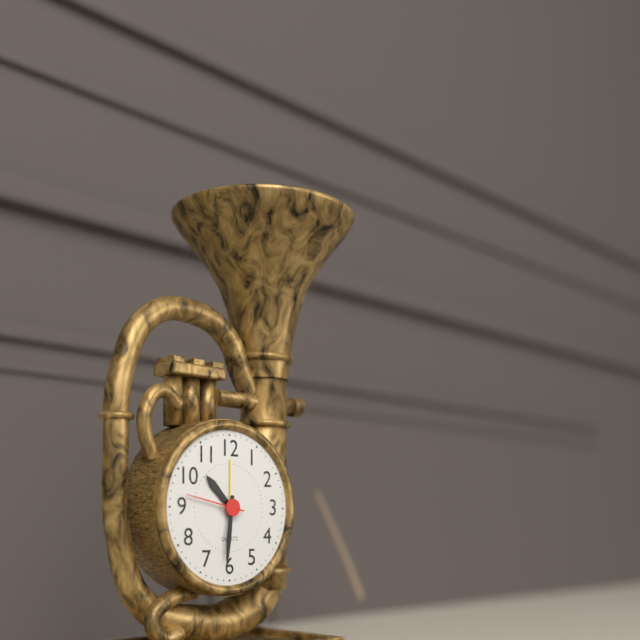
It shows h=10 m=31 s=47
